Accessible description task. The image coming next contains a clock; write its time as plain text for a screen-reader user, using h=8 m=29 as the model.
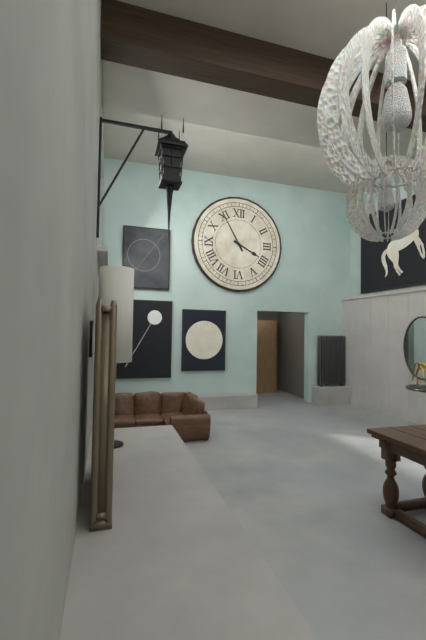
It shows h=3 m=55
